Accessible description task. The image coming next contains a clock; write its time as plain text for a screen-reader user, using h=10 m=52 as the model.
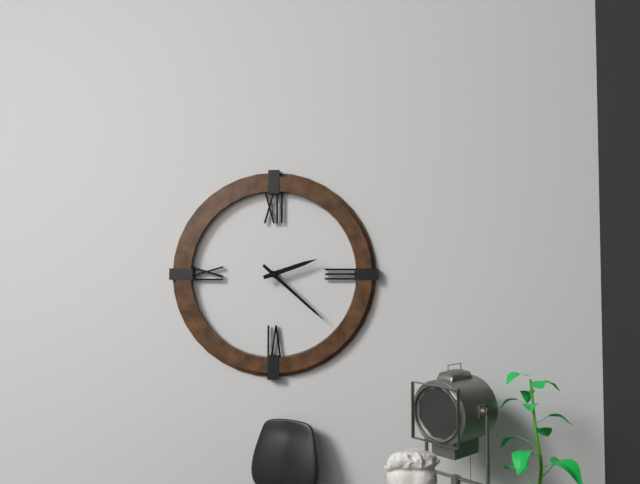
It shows h=2 m=22
